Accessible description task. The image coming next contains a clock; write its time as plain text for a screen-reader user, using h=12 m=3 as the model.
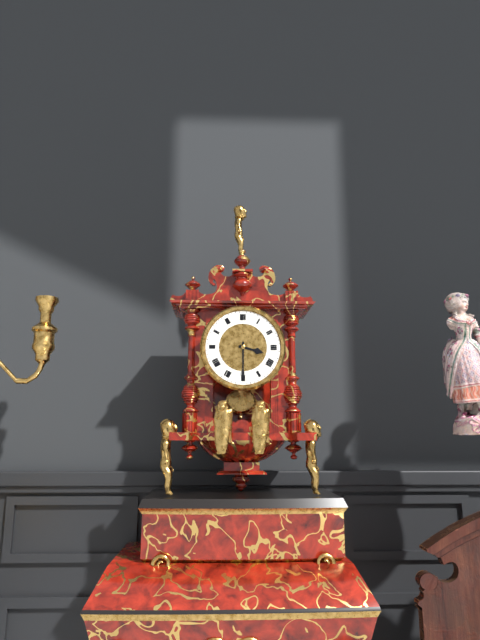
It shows h=3 m=30
